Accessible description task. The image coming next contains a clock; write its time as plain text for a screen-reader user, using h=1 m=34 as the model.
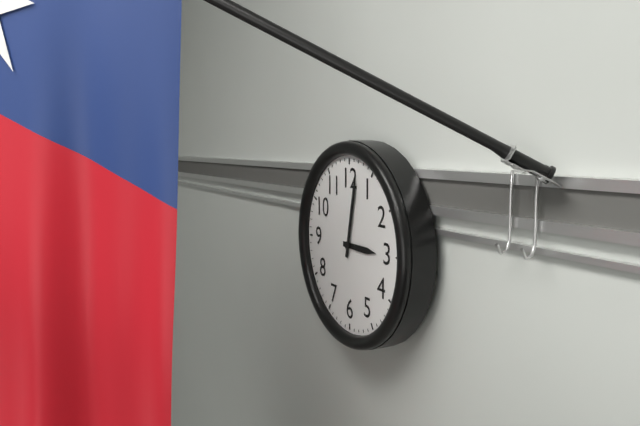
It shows h=3 m=2
